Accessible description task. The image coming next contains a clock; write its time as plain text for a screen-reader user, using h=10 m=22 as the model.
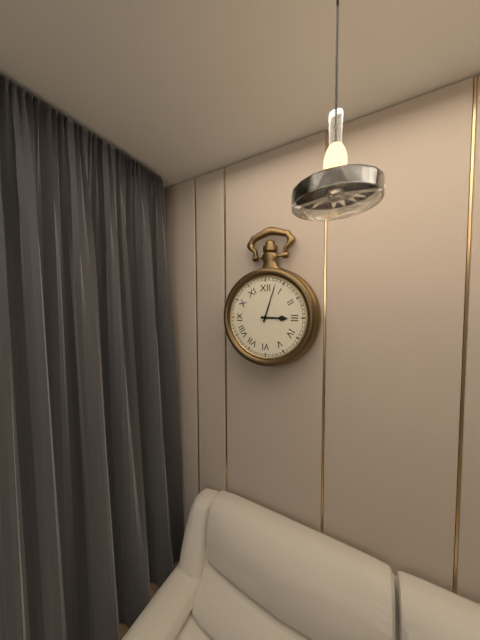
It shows h=3 m=3
